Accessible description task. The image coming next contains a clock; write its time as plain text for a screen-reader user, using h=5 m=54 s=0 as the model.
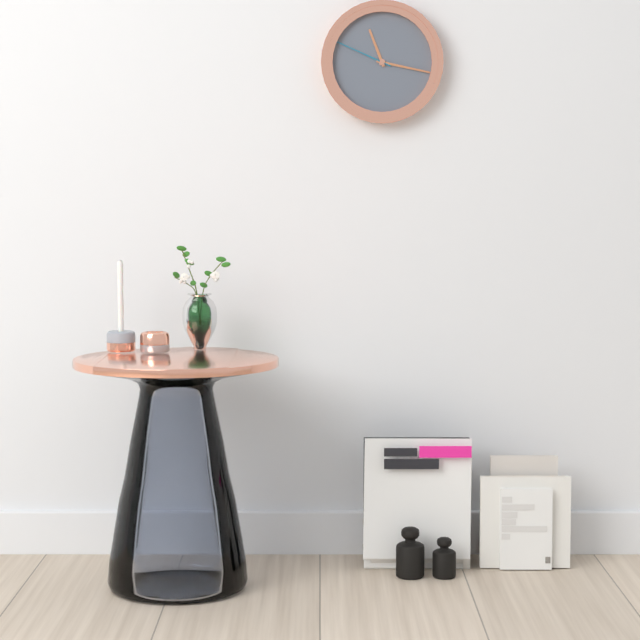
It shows h=11 m=17 s=49
